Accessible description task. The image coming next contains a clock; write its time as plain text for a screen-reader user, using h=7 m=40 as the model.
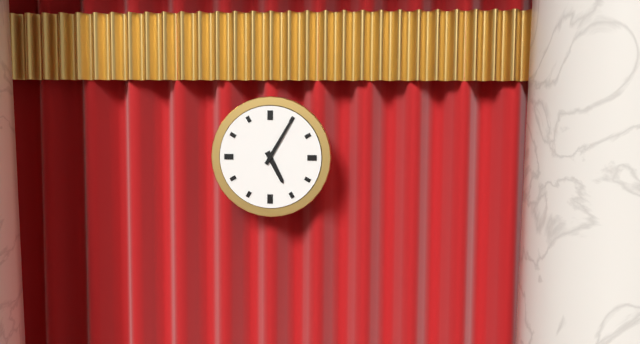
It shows h=5 m=5
